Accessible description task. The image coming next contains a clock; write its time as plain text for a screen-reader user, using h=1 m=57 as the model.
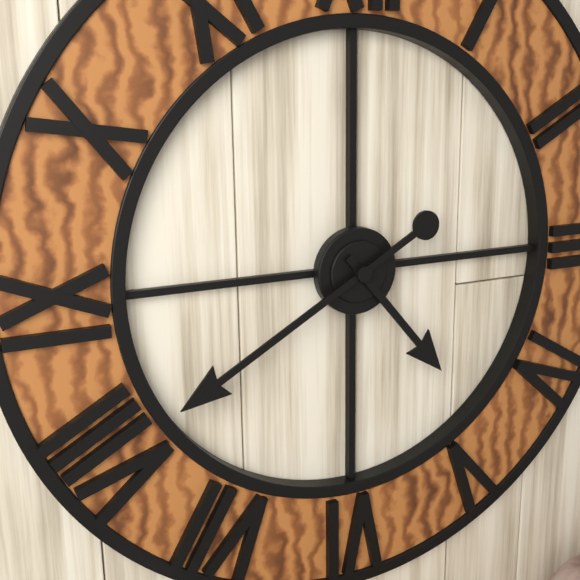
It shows h=4 m=40
